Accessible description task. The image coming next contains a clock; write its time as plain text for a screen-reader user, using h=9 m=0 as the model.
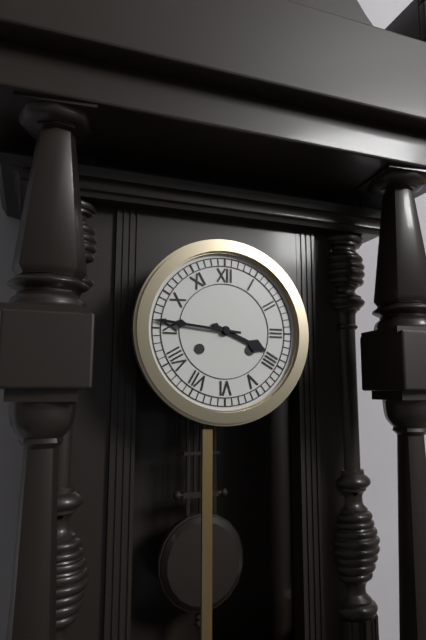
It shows h=3 m=46
